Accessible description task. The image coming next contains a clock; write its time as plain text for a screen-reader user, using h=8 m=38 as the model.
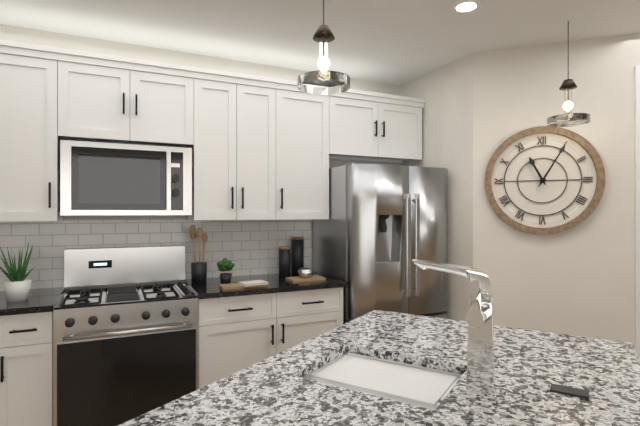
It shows h=11 m=5
